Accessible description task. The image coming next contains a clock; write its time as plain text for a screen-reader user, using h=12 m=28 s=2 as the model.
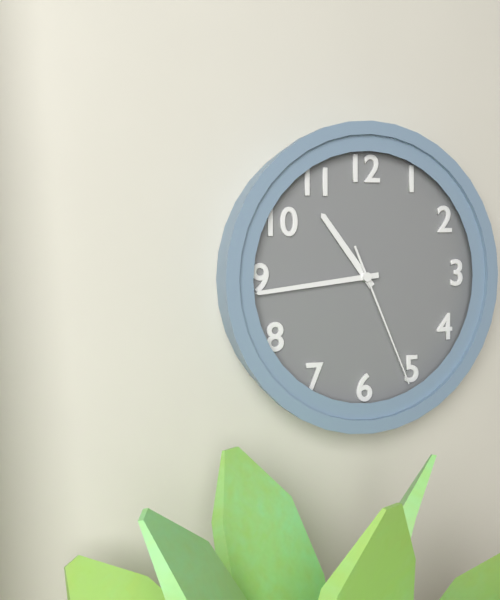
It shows h=10 m=44 s=26
